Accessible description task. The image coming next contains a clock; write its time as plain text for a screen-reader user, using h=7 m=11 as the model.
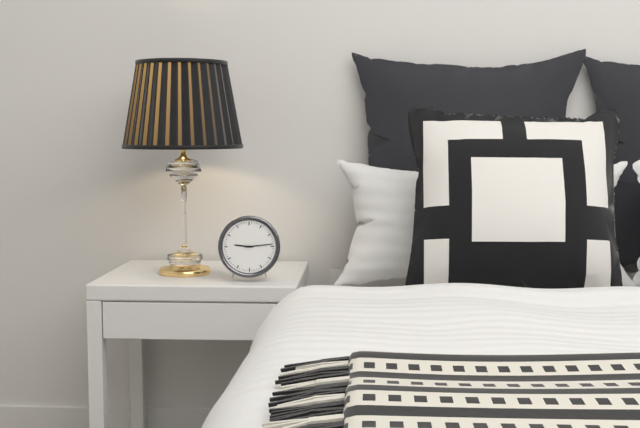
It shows h=9 m=14
